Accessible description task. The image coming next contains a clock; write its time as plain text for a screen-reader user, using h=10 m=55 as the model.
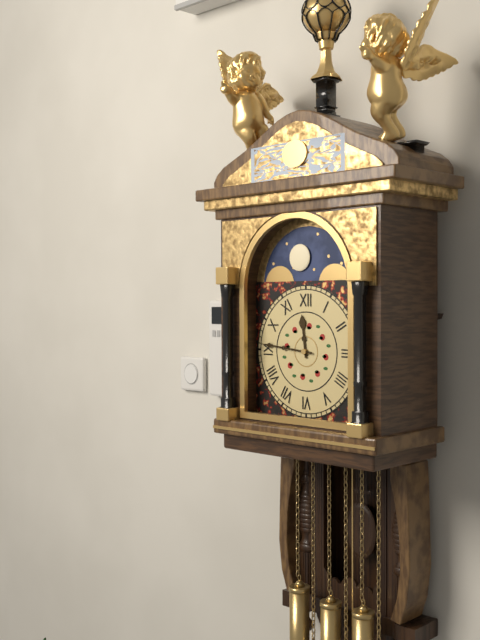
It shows h=11 m=46
